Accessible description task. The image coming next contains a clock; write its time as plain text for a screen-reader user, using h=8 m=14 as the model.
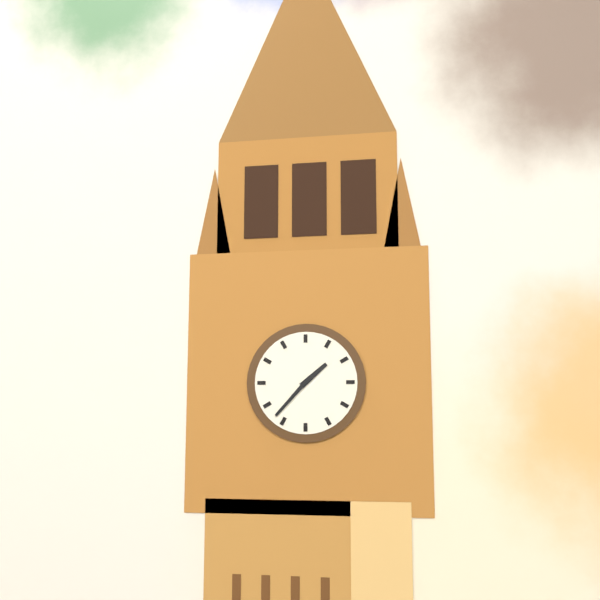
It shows h=1 m=37
